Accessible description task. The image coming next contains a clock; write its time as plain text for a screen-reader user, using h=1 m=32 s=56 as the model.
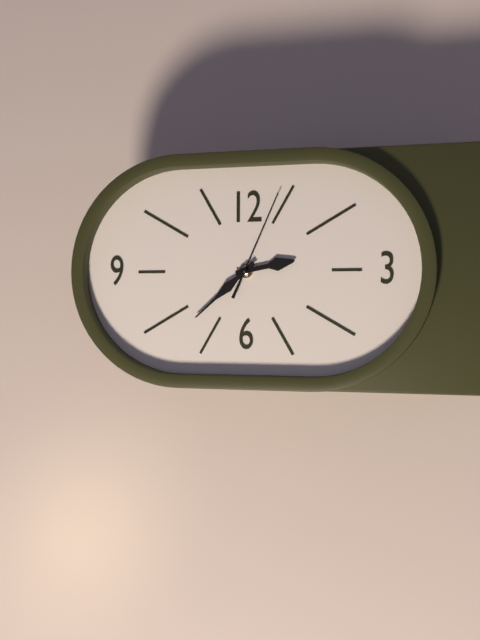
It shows h=2 m=38 s=4
